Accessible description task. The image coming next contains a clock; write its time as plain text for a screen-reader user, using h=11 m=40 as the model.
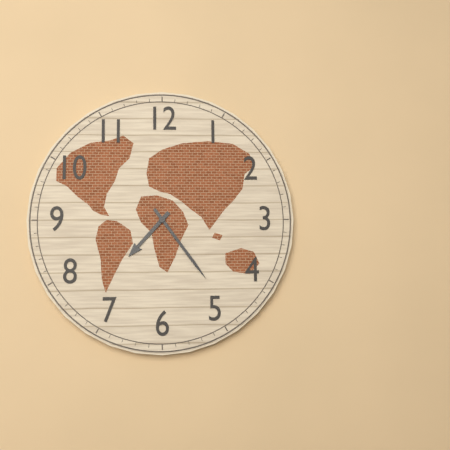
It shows h=7 m=24
